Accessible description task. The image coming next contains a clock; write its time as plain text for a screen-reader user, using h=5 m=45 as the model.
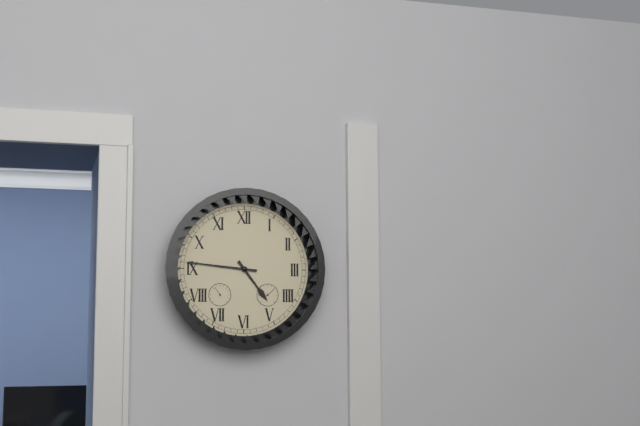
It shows h=4 m=46
